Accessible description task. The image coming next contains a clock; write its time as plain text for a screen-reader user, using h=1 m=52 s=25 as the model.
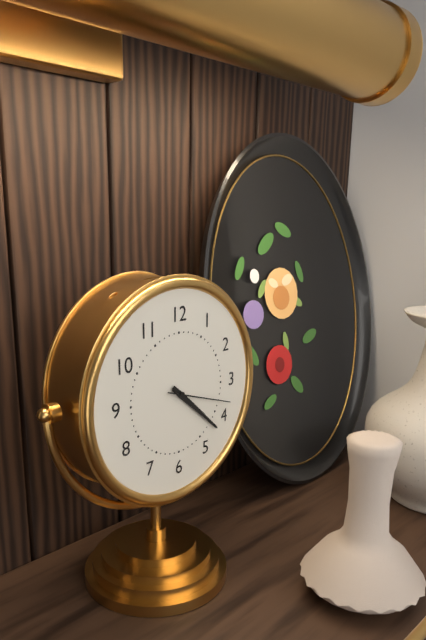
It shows h=4 m=22 s=18
